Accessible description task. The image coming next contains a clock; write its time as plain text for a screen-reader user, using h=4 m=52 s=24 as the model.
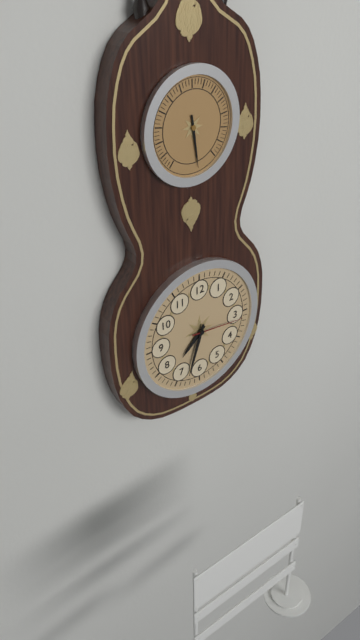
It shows h=7 m=33 s=16
